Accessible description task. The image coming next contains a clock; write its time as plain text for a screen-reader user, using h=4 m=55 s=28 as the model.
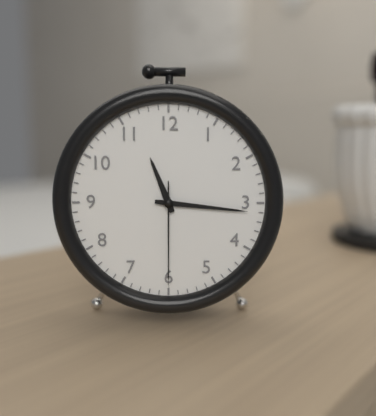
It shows h=11 m=16 s=30
